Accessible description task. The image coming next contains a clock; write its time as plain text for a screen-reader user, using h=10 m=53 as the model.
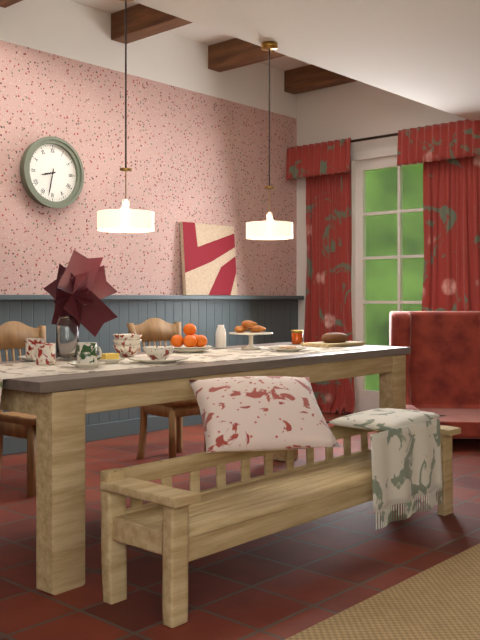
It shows h=8 m=32
